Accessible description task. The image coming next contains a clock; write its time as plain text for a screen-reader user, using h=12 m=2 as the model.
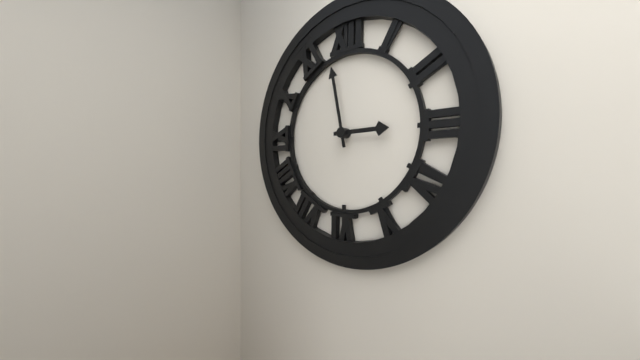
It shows h=2 m=58
